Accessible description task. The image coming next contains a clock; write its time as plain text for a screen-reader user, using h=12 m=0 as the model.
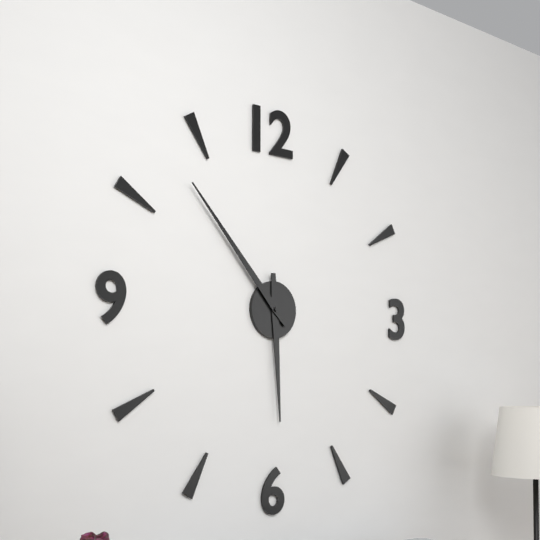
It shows h=5 m=53
